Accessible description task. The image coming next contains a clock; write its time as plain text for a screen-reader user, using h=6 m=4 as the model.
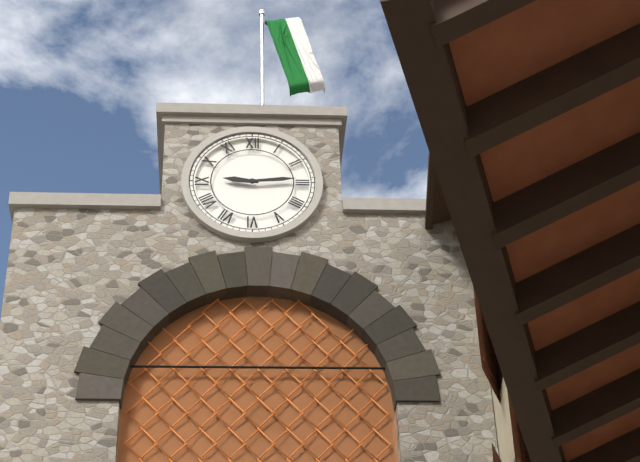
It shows h=9 m=14
